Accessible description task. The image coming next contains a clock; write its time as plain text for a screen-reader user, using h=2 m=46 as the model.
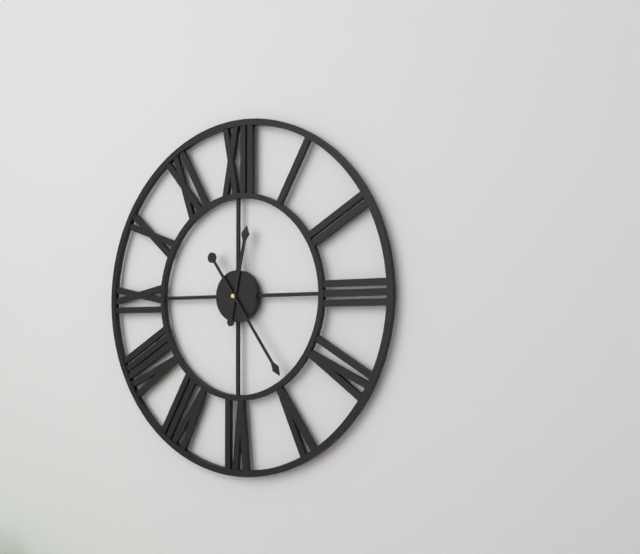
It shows h=12 m=24
